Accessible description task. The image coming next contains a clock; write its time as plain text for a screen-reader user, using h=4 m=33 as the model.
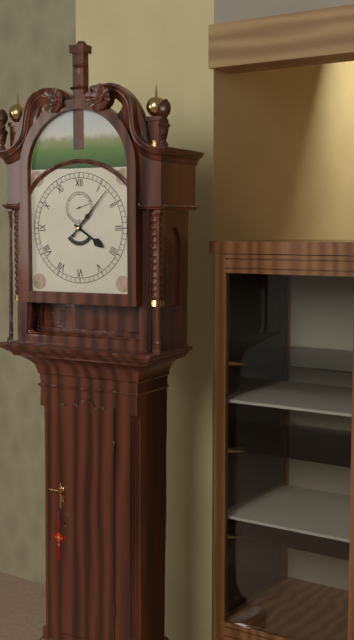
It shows h=4 m=7
